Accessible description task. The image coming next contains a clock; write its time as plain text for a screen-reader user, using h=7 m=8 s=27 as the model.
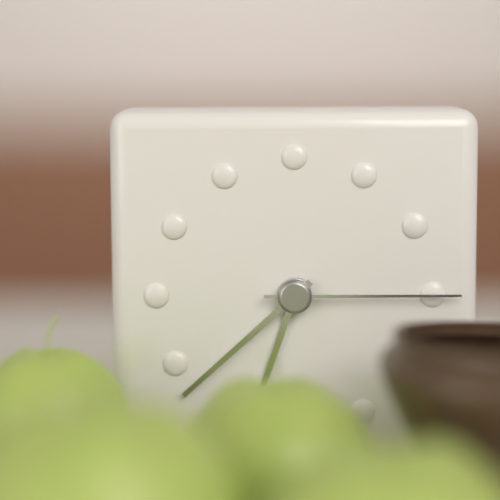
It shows h=6 m=38 s=15
